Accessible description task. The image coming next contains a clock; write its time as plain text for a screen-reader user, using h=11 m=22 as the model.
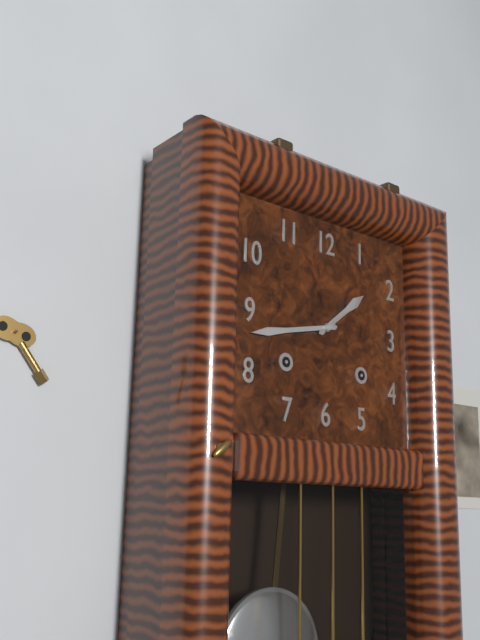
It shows h=1 m=43
